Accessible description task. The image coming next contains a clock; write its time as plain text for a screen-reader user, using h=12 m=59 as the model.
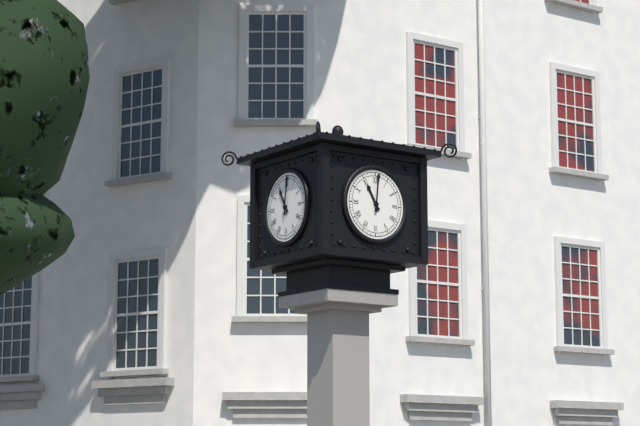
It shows h=11 m=1
